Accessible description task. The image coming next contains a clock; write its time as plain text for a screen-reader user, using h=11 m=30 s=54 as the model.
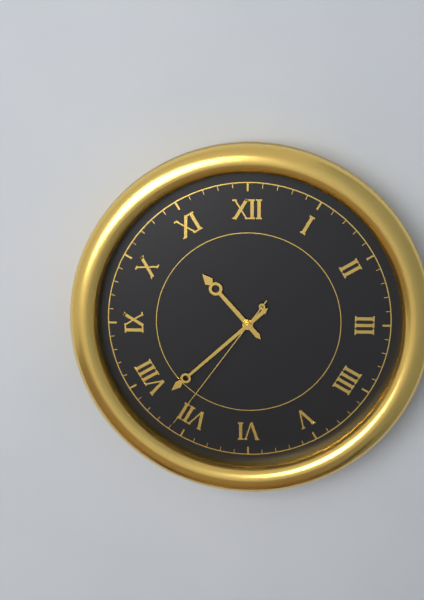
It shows h=10 m=38 s=36
